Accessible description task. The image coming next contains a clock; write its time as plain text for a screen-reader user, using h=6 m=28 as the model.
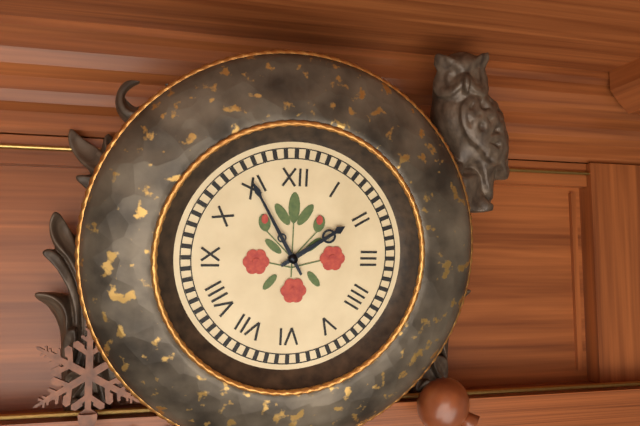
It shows h=1 m=55
